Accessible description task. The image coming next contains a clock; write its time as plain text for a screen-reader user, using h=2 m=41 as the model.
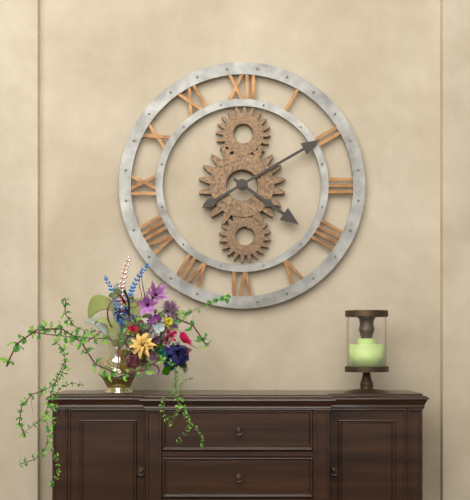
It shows h=4 m=10
